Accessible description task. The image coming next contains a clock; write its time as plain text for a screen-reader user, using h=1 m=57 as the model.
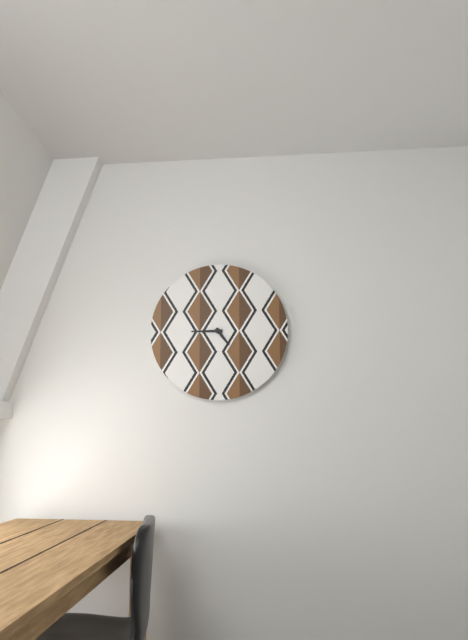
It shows h=4 m=45
